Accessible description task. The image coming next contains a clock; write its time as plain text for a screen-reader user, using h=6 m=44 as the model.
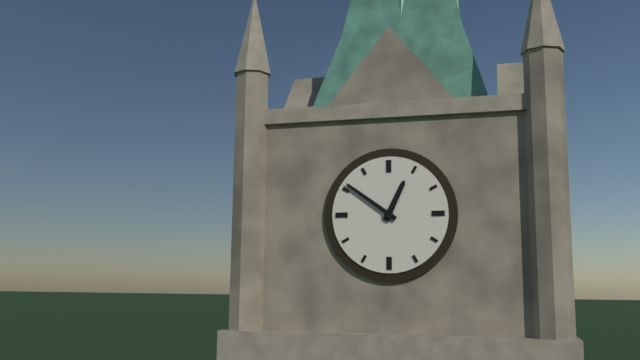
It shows h=12 m=51
